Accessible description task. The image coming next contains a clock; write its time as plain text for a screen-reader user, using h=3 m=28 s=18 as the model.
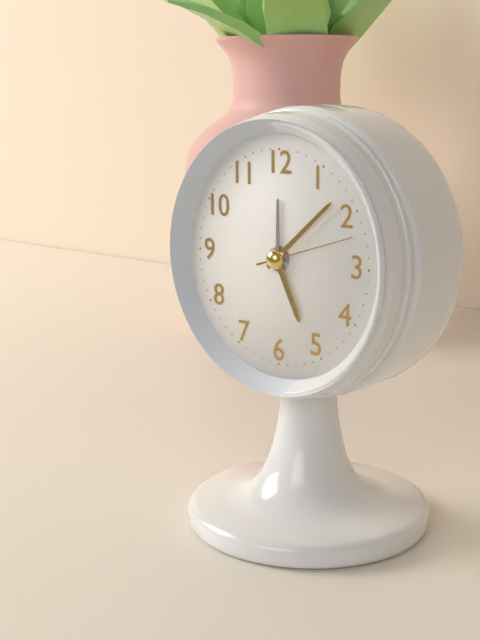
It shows h=5 m=8 s=12
